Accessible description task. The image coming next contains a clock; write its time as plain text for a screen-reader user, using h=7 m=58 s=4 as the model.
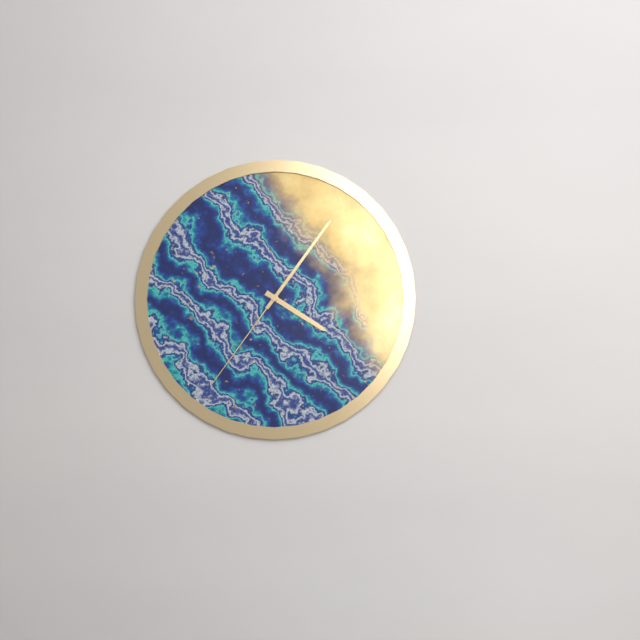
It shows h=4 m=6 s=36
